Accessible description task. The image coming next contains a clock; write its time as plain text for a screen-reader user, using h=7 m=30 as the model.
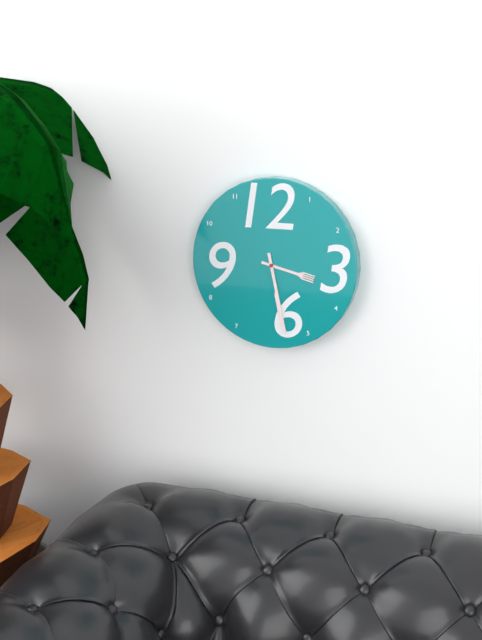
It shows h=3 m=28
